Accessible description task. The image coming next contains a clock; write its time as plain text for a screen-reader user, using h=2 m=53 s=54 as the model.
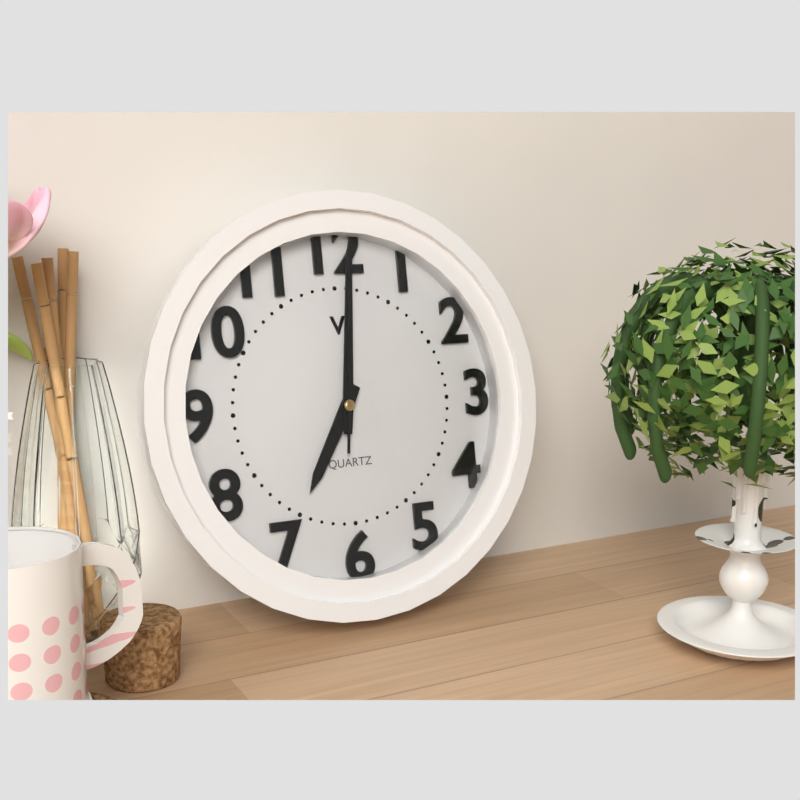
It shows h=7 m=1 s=1
